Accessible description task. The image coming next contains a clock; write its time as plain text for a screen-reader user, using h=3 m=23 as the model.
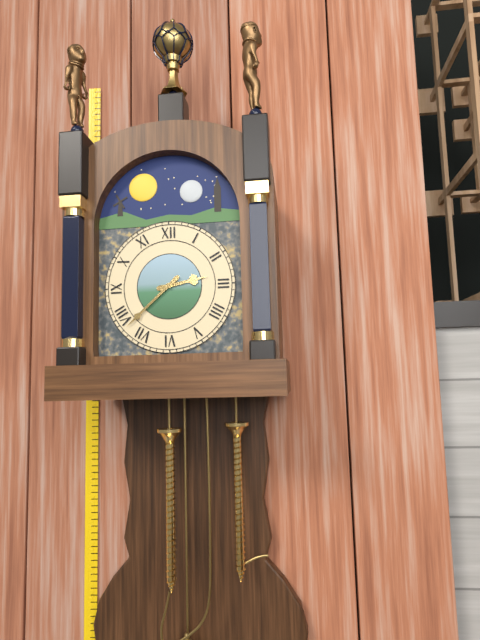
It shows h=2 m=38
